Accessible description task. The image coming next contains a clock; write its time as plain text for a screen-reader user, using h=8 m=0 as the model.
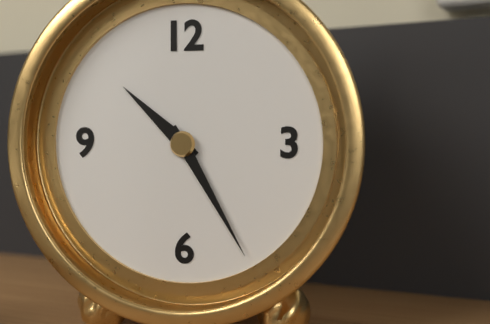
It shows h=10 m=25
